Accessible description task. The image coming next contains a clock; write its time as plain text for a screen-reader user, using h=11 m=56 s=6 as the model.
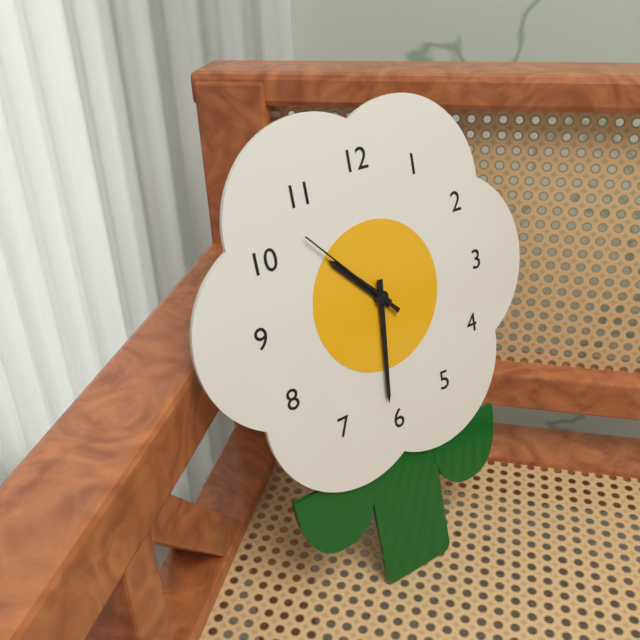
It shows h=10 m=31 s=53
